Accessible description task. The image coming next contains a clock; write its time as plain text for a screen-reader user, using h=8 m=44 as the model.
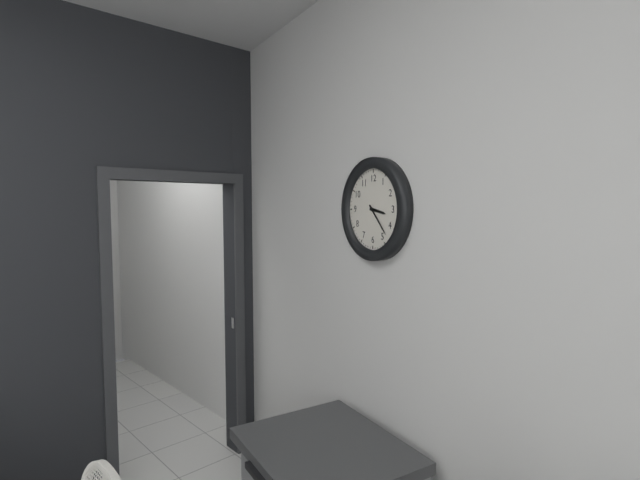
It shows h=3 m=23
